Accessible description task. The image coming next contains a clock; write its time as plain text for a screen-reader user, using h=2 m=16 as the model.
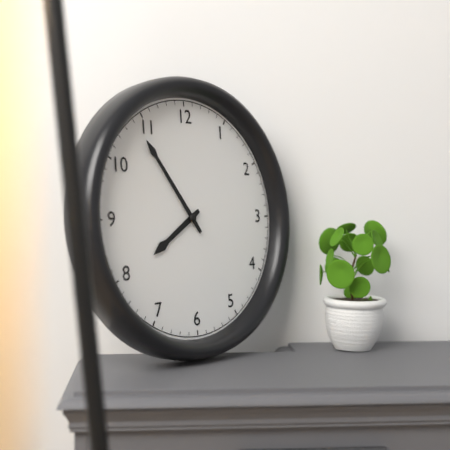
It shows h=7 m=54
